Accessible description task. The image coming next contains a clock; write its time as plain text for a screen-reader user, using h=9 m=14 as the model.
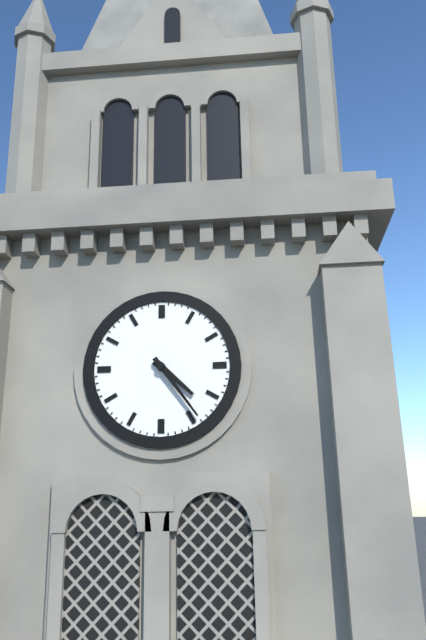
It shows h=4 m=24
